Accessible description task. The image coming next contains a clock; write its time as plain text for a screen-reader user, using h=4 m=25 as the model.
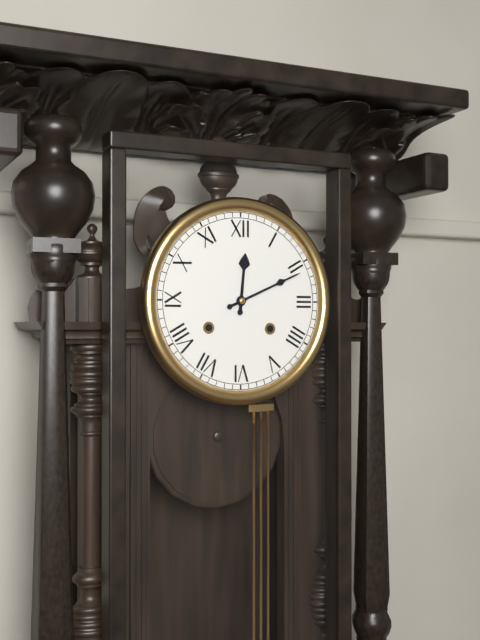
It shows h=12 m=11
